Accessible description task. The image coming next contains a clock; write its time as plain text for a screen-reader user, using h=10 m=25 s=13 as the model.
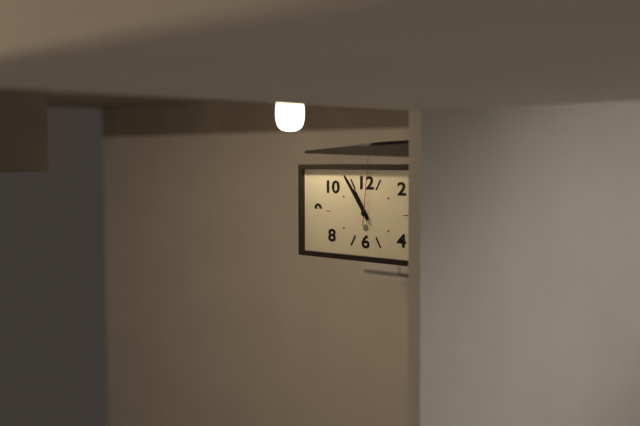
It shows h=10 m=54 s=1
